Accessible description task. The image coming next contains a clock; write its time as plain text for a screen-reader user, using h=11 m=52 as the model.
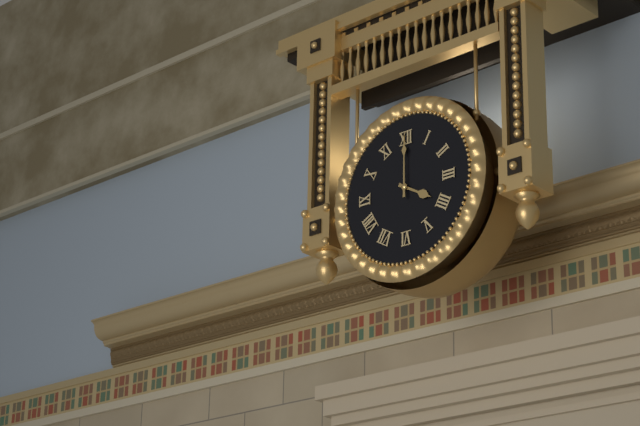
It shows h=4 m=0
